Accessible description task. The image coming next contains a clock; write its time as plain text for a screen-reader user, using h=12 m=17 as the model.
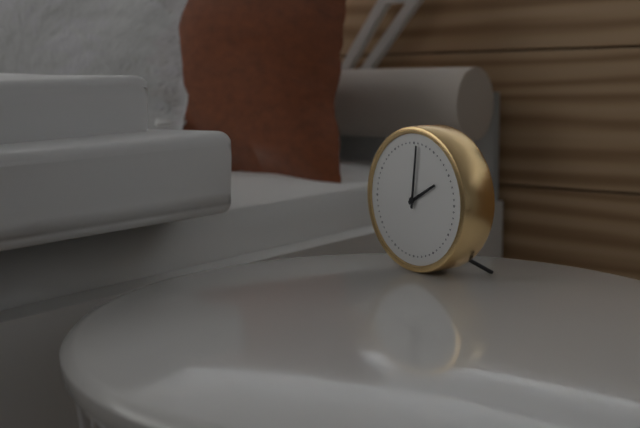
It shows h=2 m=1
